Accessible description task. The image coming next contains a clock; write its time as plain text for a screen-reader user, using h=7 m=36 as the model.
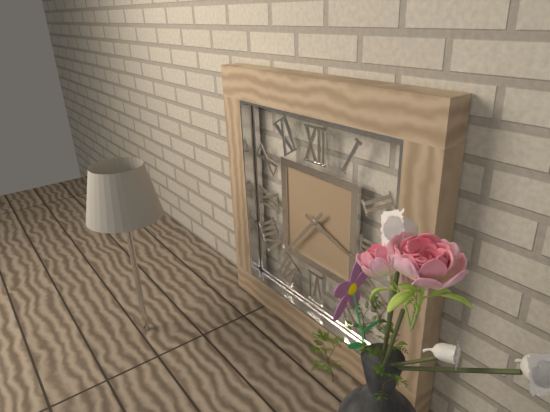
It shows h=3 m=37
